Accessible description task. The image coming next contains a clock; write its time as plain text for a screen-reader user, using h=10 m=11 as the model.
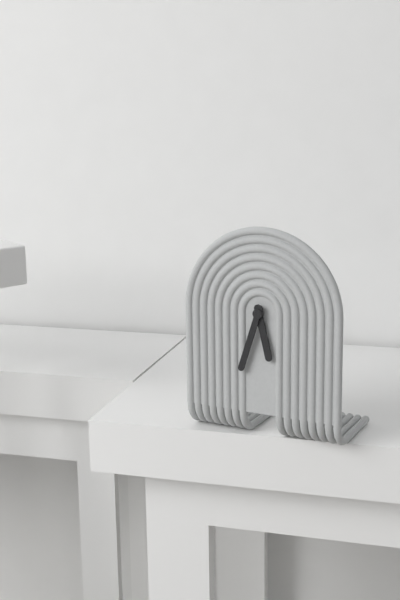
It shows h=5 m=33
